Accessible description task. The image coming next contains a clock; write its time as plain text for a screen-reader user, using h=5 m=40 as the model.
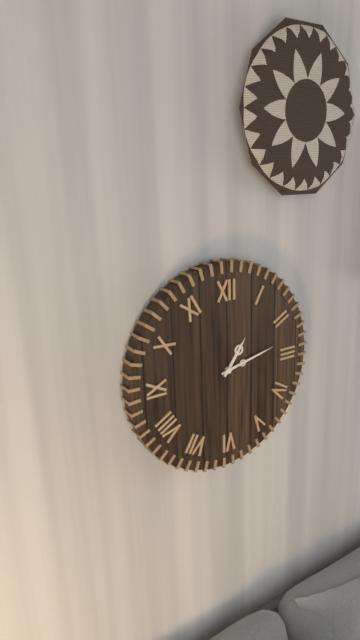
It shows h=1 m=13
